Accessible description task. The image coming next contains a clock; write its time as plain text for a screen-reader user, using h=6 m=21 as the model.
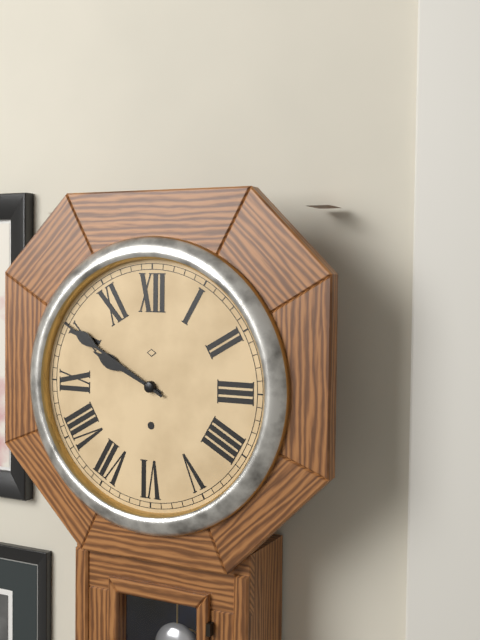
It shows h=9 m=50
